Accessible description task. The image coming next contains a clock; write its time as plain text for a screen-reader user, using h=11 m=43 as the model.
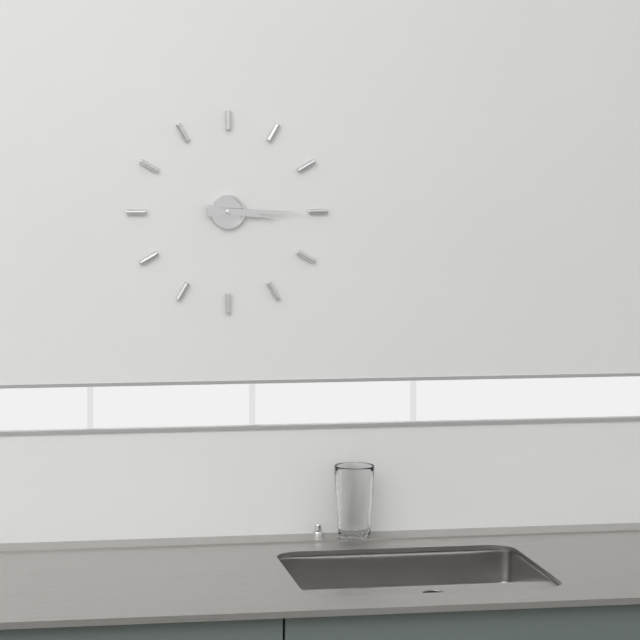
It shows h=3 m=15
